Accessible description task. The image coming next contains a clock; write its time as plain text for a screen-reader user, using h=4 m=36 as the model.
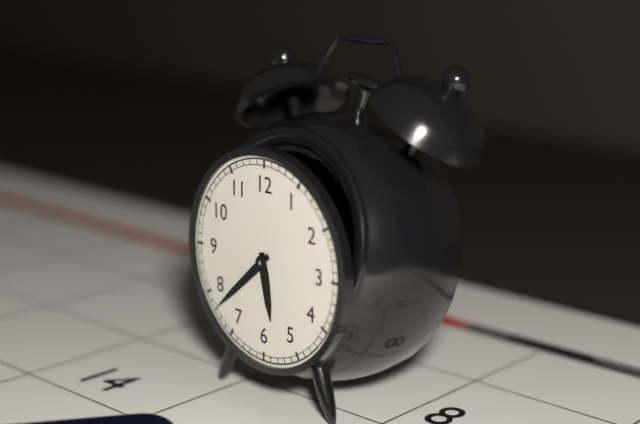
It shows h=5 m=38
